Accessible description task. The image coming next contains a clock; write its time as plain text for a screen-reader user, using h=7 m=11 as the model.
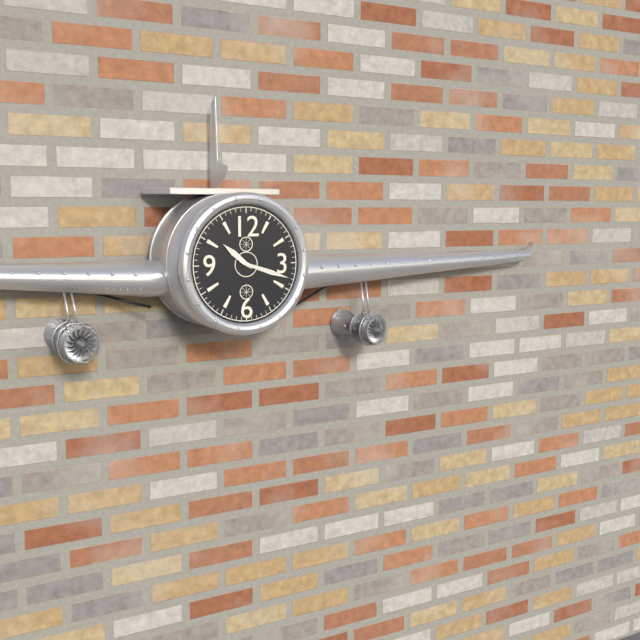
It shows h=10 m=18
